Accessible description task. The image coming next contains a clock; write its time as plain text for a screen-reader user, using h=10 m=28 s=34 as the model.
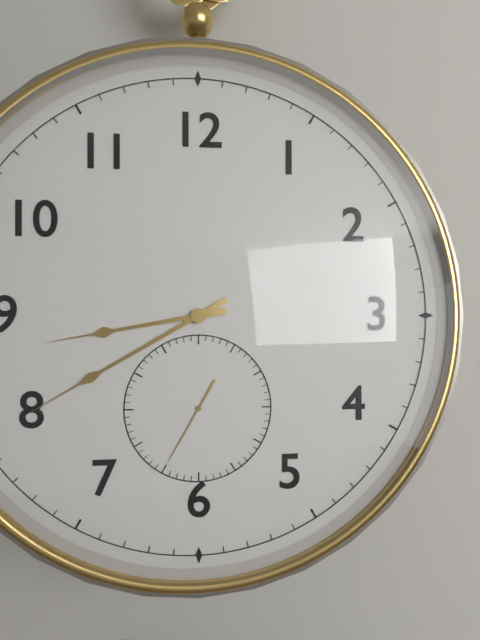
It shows h=8 m=40 s=35
